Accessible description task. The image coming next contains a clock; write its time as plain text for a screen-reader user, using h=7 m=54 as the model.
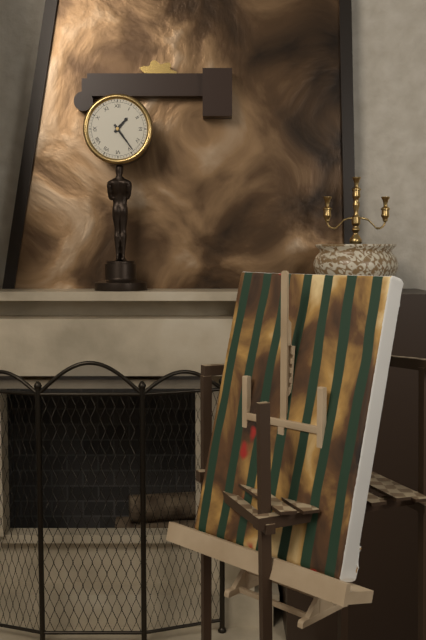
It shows h=1 m=24
